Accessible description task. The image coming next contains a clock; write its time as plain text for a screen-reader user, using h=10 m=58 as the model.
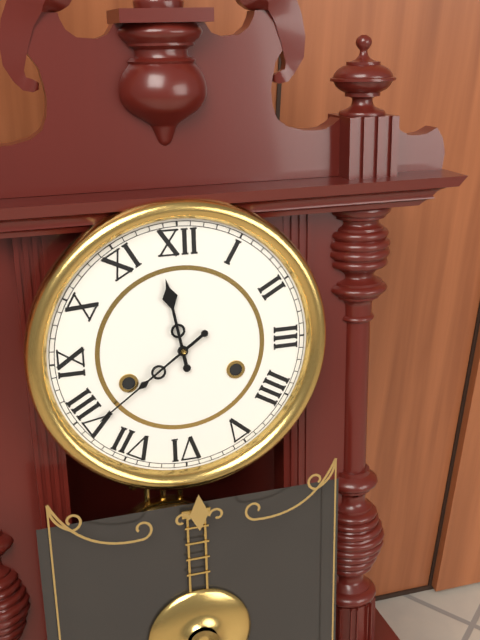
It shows h=11 m=39
